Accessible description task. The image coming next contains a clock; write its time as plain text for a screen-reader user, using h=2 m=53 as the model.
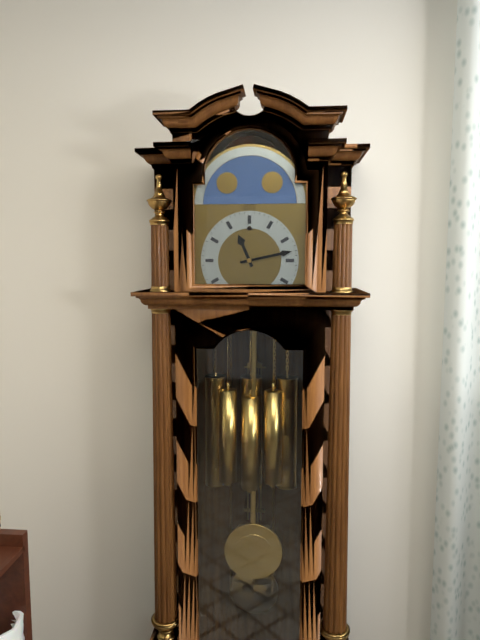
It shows h=11 m=13
